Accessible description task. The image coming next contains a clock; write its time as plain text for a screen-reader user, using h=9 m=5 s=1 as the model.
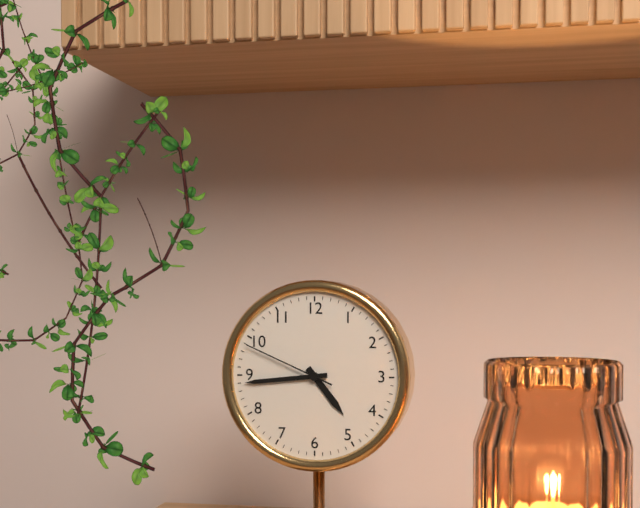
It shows h=4 m=44 s=49
